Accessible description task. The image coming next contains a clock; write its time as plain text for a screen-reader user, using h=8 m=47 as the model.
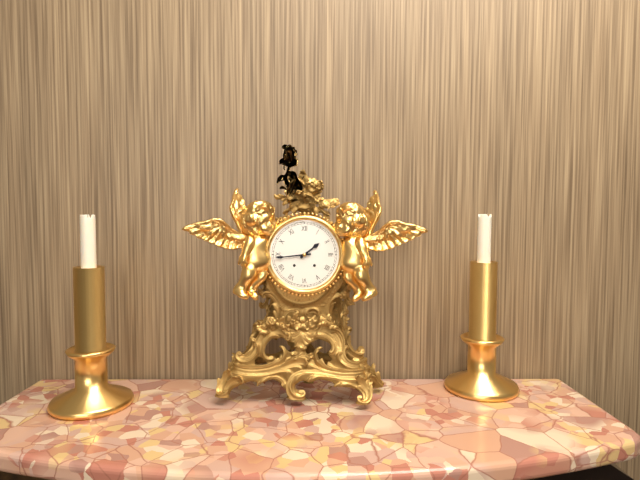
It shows h=1 m=44
